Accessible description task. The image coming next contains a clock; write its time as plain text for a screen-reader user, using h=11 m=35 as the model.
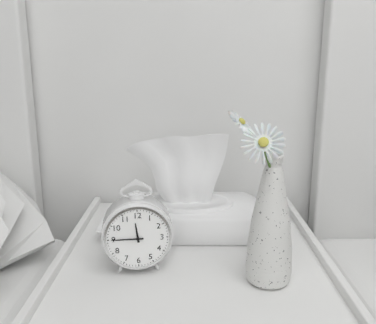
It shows h=11 m=45
